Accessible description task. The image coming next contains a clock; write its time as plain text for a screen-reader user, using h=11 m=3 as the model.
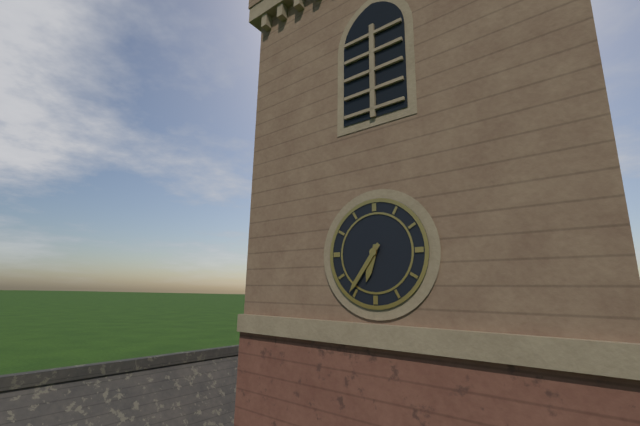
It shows h=6 m=36
